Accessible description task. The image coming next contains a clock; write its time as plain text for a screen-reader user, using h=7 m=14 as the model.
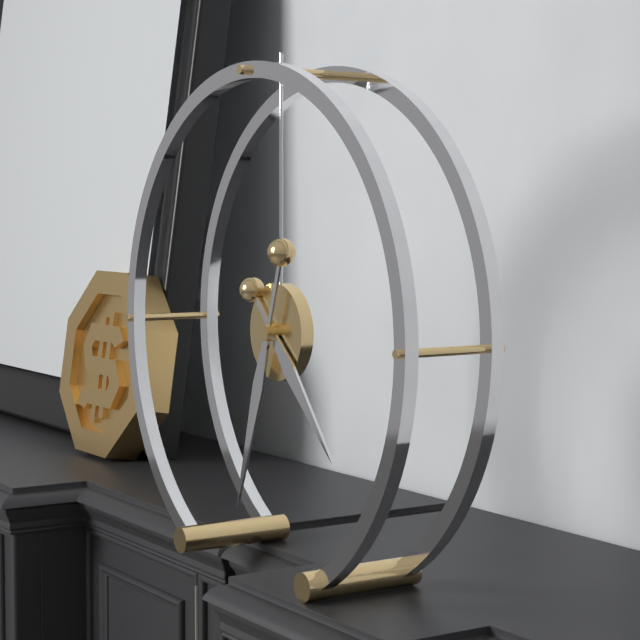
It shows h=4 m=33
